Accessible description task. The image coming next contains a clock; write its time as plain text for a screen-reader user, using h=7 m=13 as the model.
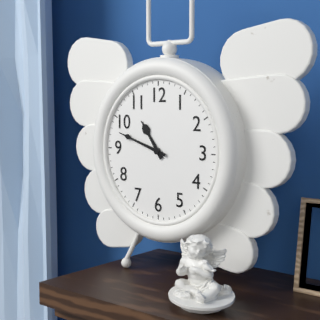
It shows h=10 m=48
